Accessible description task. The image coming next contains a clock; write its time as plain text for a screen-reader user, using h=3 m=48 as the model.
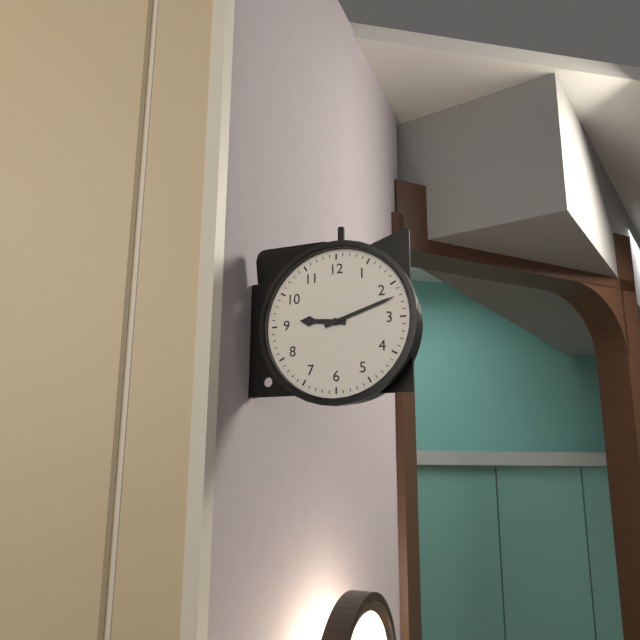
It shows h=9 m=12
